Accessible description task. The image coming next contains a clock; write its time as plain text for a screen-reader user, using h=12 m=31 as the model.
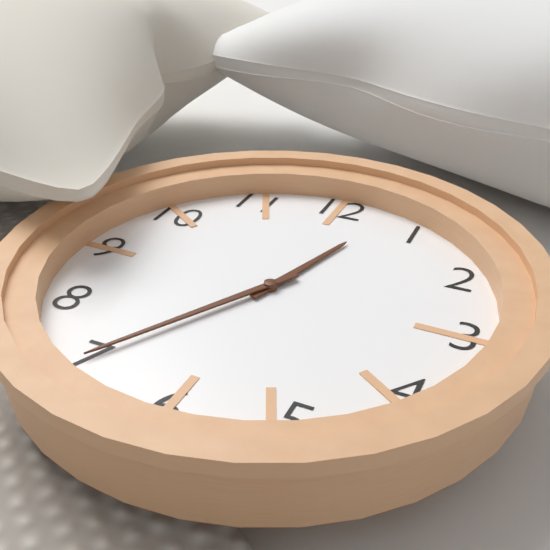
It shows h=12 m=35
